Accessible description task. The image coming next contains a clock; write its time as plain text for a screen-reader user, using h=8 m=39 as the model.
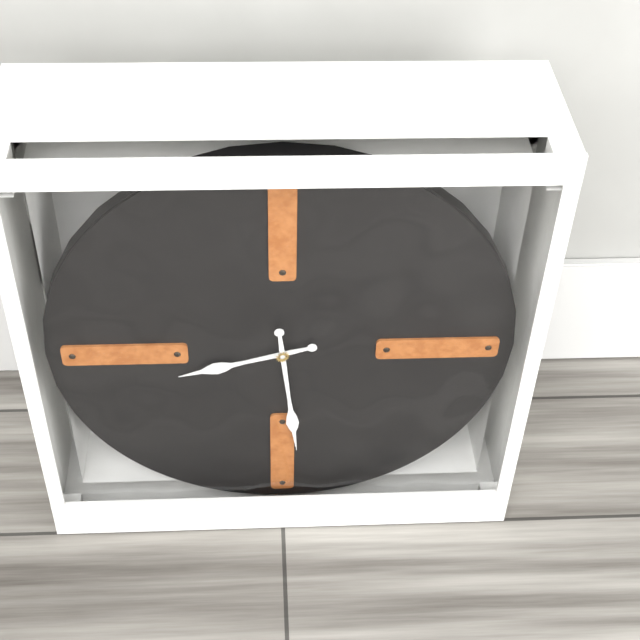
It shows h=8 m=29
